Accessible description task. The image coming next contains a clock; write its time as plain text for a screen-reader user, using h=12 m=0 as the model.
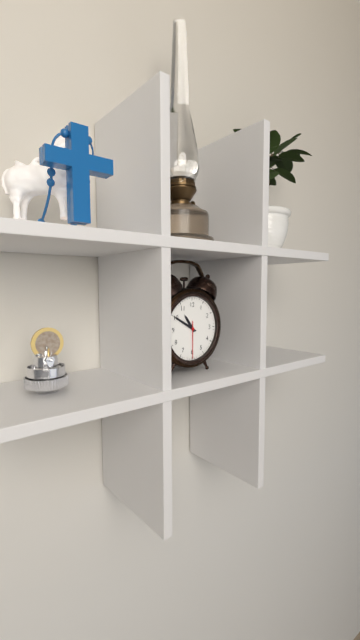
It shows h=10 m=50
